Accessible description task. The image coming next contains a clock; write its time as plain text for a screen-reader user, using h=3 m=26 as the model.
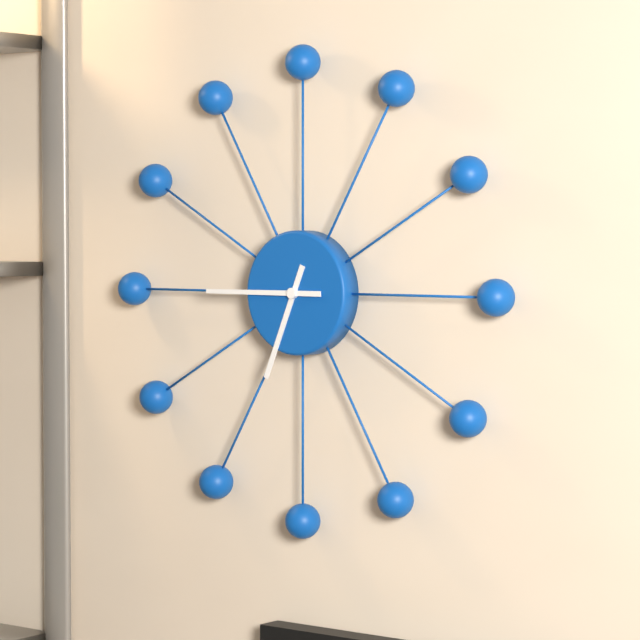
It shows h=6 m=45
